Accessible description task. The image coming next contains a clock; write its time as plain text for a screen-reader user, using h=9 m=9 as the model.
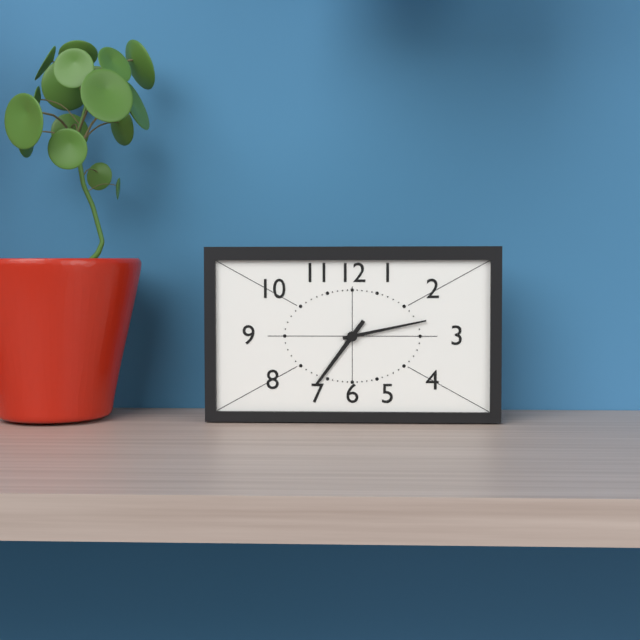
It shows h=7 m=13
